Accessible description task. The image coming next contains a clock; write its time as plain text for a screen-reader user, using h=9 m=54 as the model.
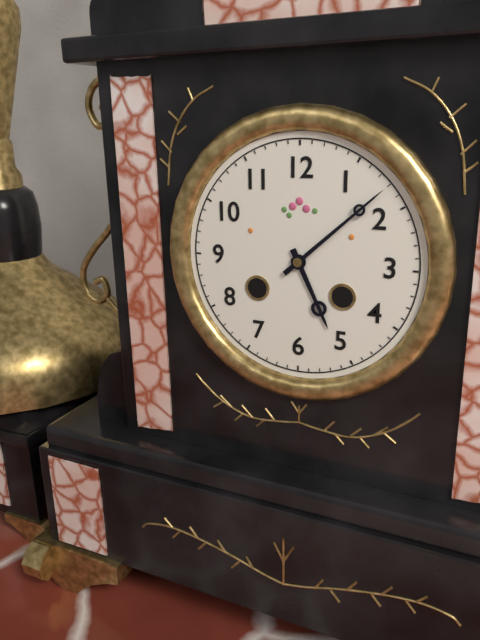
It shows h=5 m=8
